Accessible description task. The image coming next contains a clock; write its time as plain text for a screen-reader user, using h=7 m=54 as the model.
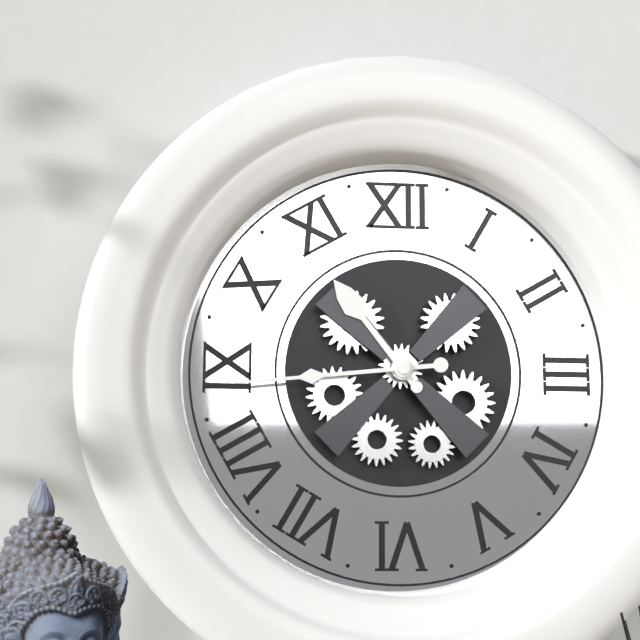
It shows h=10 m=44
